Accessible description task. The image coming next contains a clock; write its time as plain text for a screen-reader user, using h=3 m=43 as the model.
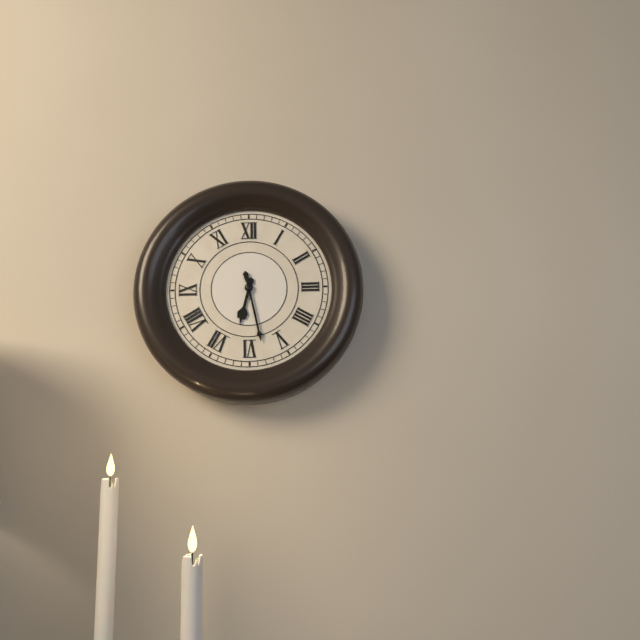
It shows h=6 m=28
